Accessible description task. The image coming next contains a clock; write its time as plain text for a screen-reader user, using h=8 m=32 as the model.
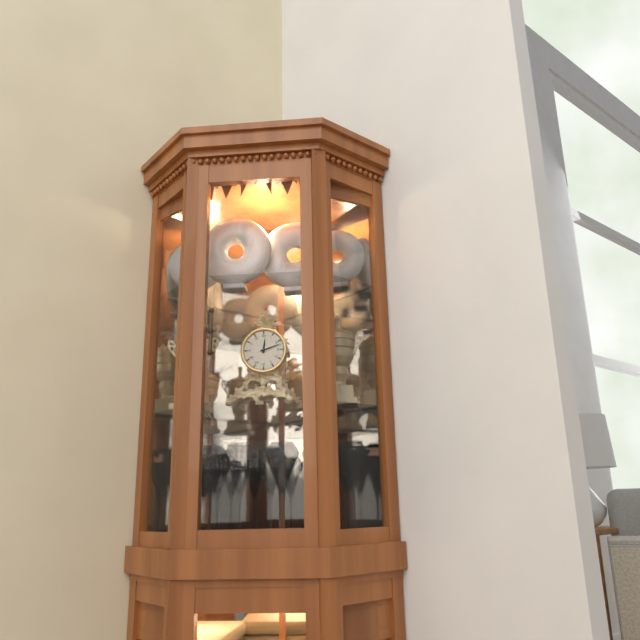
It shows h=12 m=12
